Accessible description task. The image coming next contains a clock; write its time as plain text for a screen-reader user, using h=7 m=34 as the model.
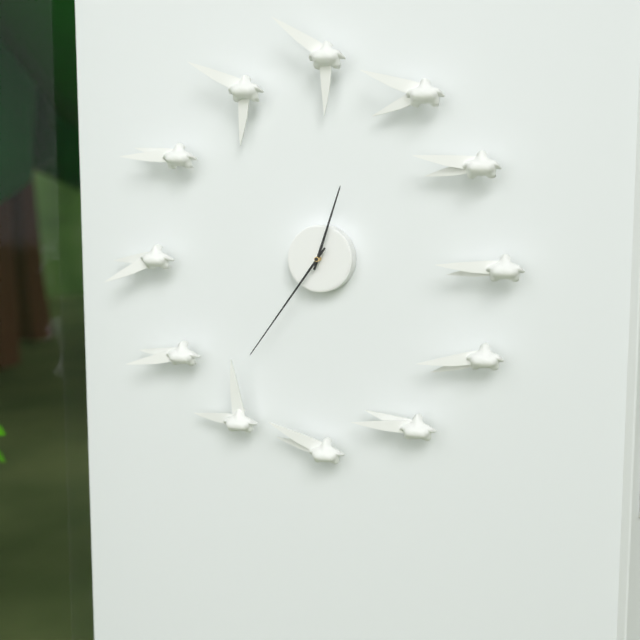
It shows h=12 m=36
